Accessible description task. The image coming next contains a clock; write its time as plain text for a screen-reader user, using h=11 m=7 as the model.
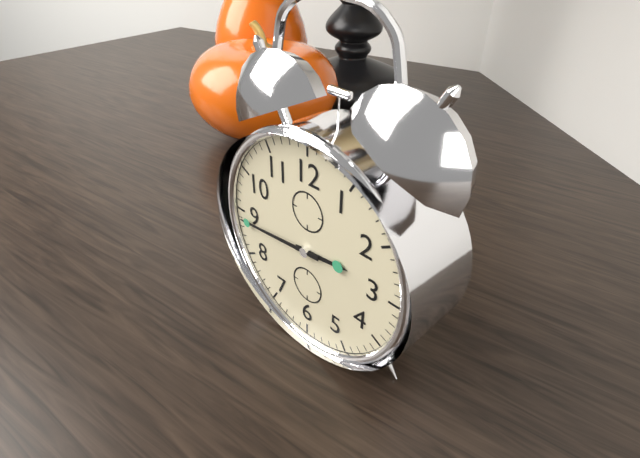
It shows h=2 m=44
